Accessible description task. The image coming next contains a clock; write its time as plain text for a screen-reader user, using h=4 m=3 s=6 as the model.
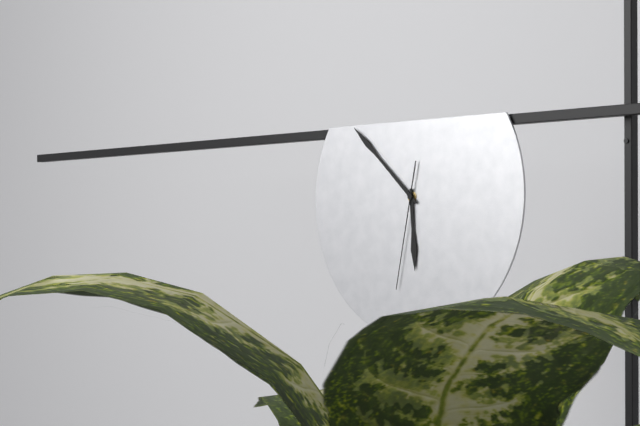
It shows h=5 m=52 s=32
